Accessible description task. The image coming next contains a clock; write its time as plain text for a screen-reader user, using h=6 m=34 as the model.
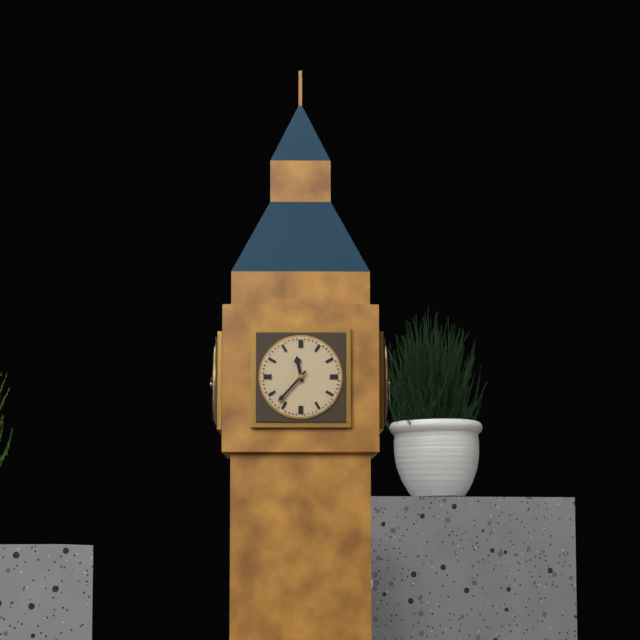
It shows h=11 m=37
